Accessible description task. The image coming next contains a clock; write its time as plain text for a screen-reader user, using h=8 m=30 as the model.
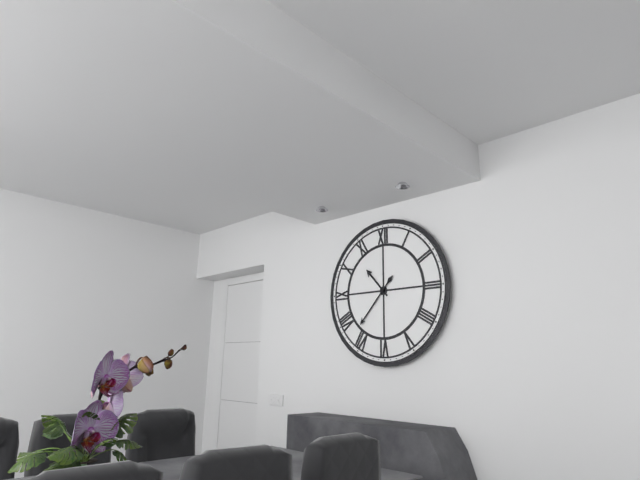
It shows h=10 m=37
